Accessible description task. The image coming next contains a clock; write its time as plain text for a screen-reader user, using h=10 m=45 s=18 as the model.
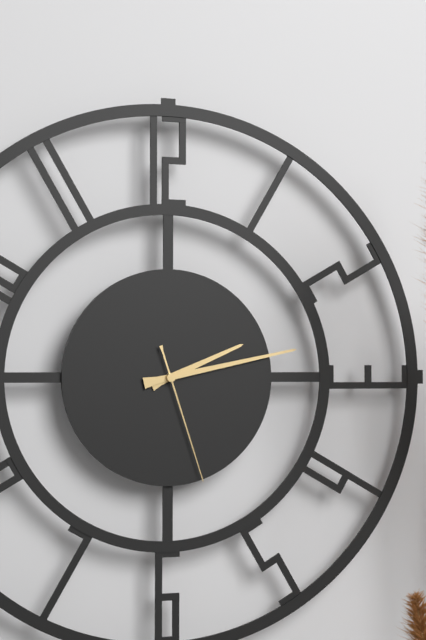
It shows h=2 m=13 s=27
